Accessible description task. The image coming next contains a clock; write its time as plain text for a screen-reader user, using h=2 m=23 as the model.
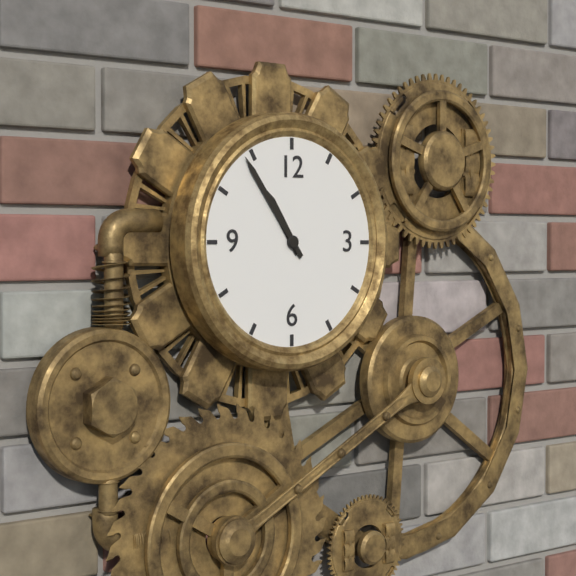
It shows h=10 m=54
